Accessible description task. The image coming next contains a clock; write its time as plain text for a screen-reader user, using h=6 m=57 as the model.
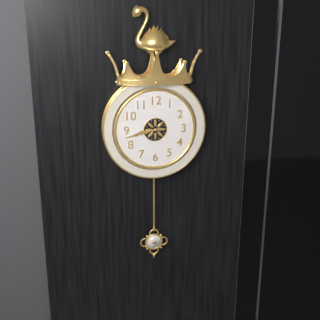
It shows h=8 m=43
